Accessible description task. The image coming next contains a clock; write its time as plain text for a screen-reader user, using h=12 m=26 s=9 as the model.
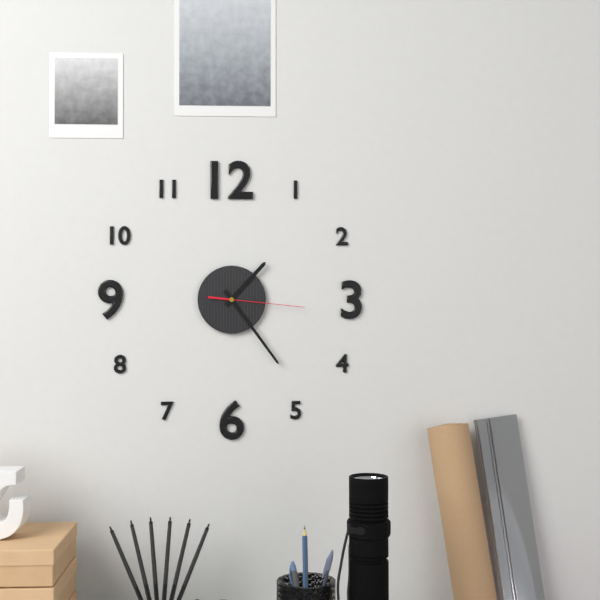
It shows h=1 m=24 s=16
